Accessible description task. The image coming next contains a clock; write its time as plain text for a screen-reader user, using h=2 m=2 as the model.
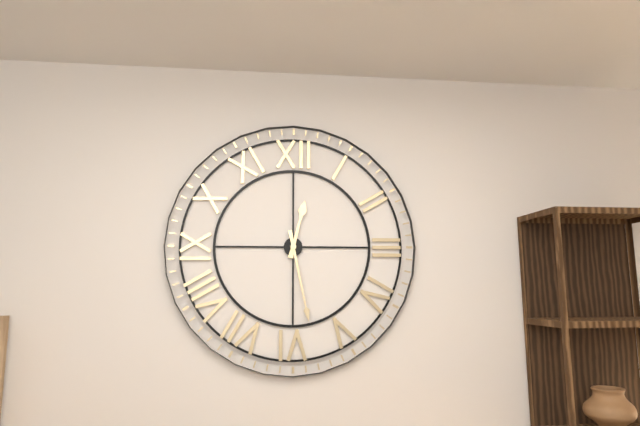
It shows h=12 m=28
